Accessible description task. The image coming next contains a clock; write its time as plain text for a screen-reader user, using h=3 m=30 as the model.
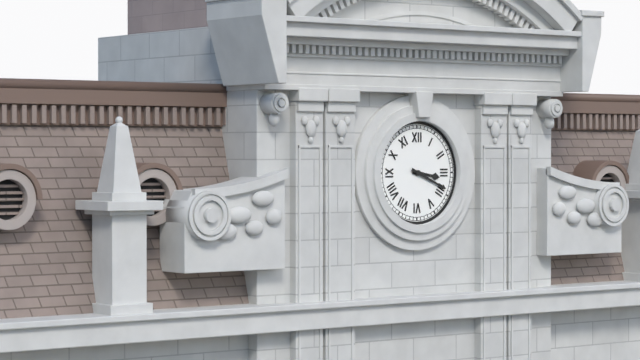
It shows h=3 m=19
